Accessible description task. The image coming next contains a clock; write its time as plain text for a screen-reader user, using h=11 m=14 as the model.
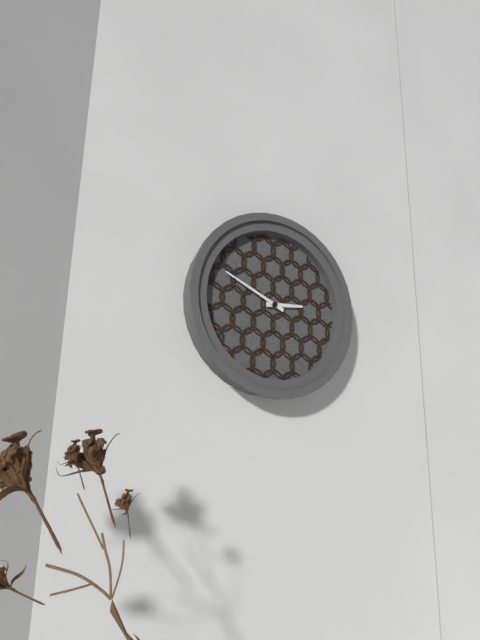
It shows h=2 m=49
